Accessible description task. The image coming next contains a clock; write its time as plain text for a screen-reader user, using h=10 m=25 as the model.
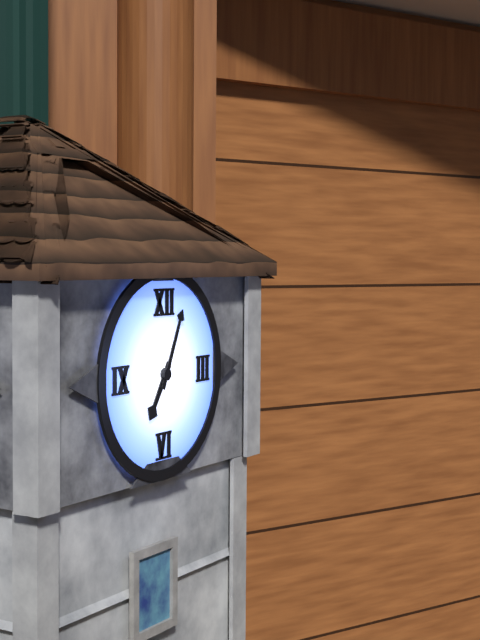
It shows h=7 m=4
